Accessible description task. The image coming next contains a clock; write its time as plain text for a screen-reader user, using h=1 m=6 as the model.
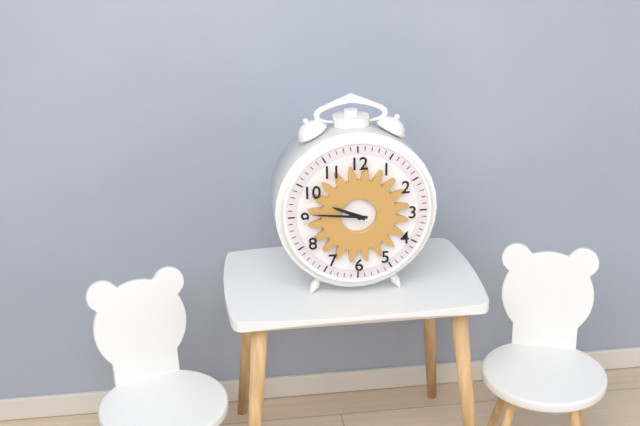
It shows h=9 m=46
